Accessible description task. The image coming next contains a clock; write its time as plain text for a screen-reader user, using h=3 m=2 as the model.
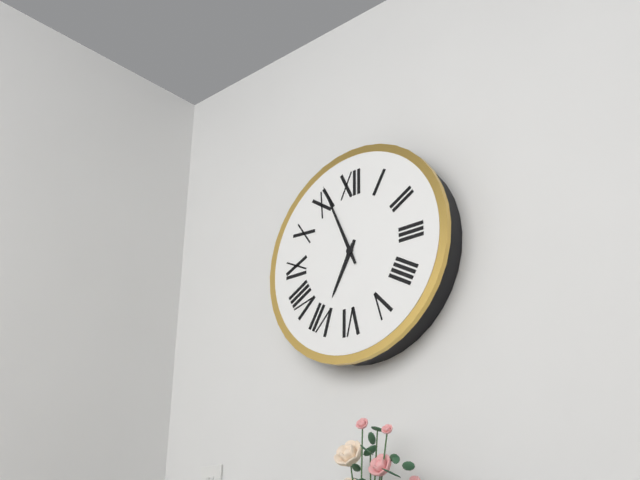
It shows h=6 m=56
